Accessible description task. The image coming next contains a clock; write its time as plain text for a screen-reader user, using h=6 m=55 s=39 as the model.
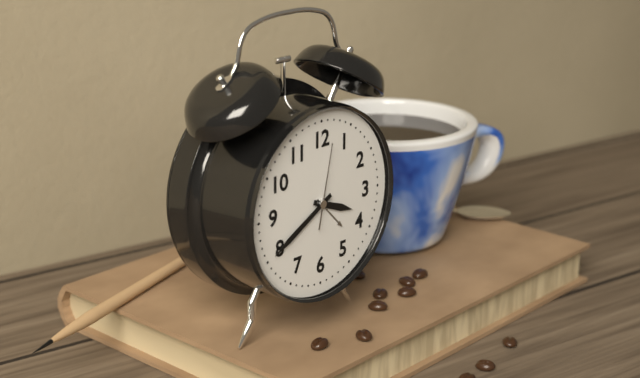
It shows h=3 m=40 s=2
